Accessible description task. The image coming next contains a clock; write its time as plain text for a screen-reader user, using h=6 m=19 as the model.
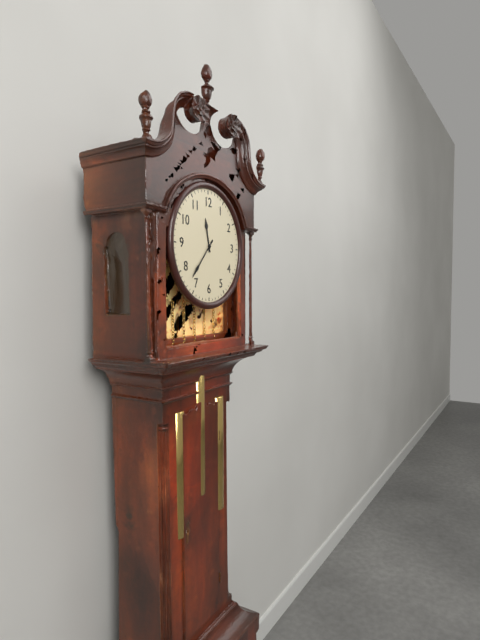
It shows h=11 m=37
